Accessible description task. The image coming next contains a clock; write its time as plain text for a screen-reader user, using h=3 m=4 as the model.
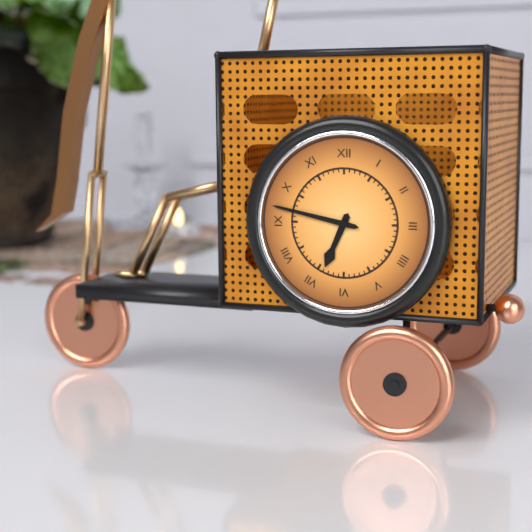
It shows h=6 m=47
